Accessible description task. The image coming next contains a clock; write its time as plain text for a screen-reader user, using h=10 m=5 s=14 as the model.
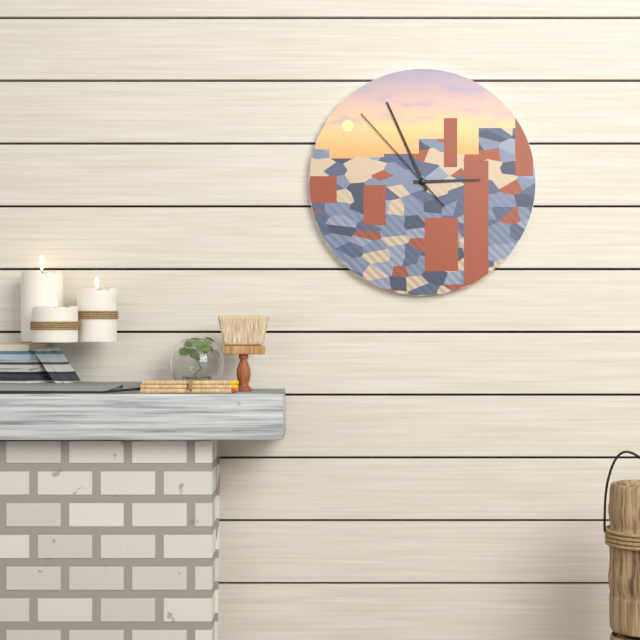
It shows h=2 m=56 s=53
